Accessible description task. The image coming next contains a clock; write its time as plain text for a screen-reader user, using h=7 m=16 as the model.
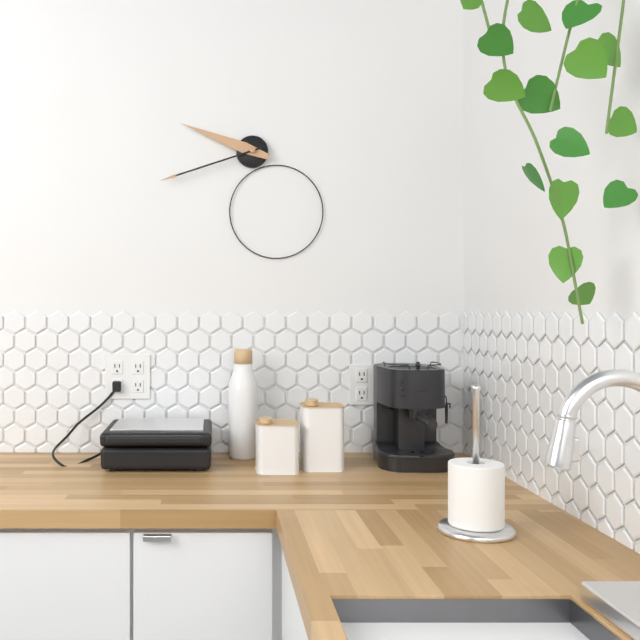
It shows h=9 m=42
